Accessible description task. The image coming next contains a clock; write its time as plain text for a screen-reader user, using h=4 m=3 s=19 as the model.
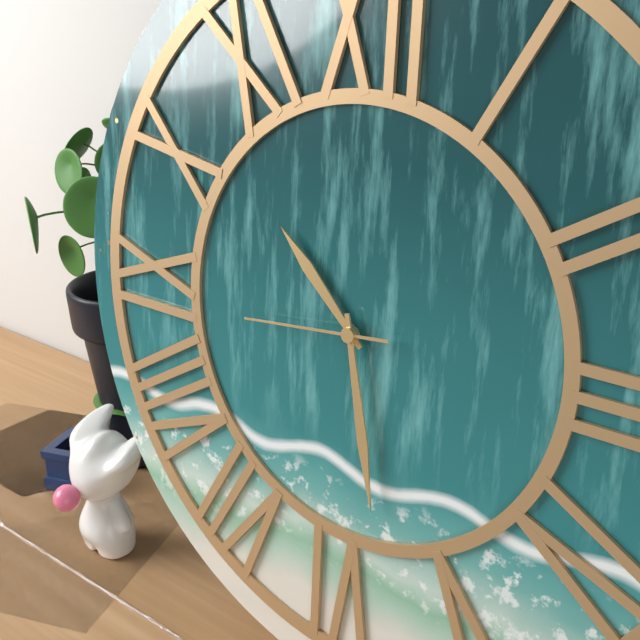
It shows h=10 m=28 s=44
